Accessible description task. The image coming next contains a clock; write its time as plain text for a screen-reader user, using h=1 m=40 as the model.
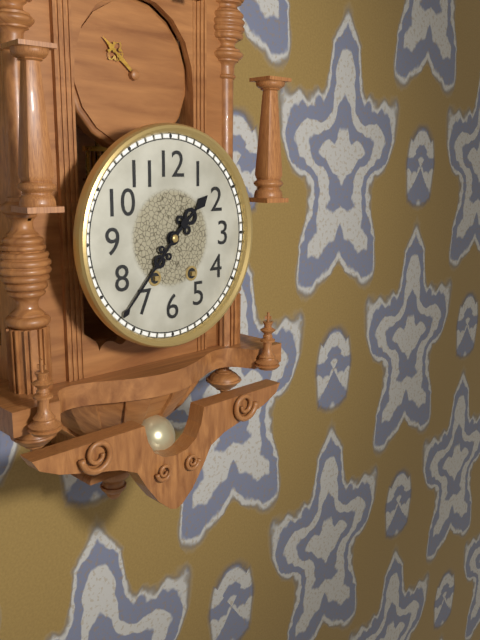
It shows h=1 m=37
